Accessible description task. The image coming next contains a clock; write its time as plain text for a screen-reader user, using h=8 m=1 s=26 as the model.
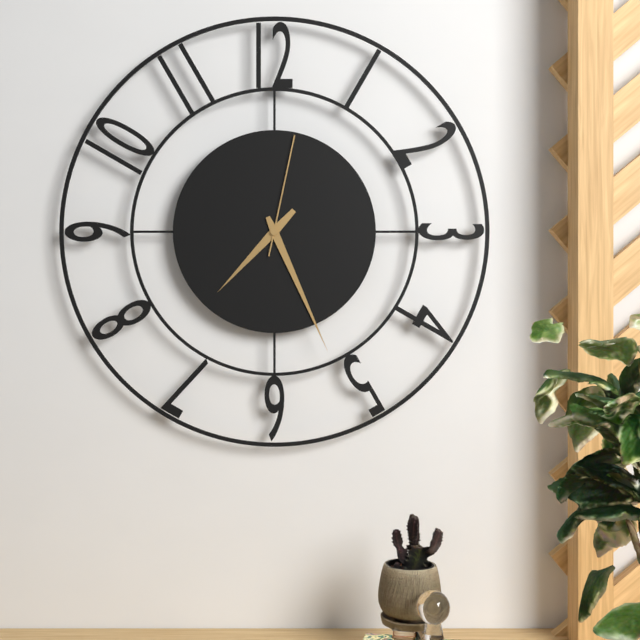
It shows h=7 m=26 s=2
